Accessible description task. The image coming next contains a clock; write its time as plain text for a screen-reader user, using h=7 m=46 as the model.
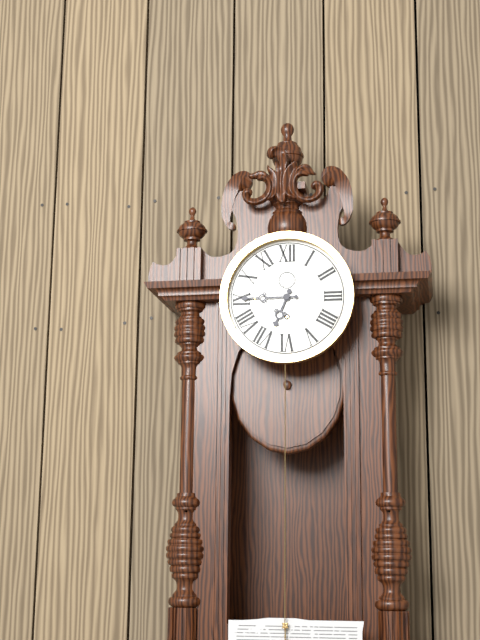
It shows h=6 m=45
